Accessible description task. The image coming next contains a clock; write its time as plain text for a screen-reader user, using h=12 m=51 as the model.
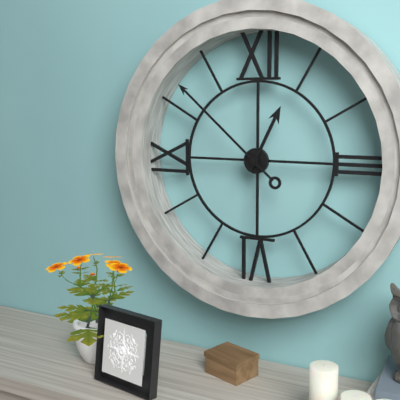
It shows h=12 m=52
